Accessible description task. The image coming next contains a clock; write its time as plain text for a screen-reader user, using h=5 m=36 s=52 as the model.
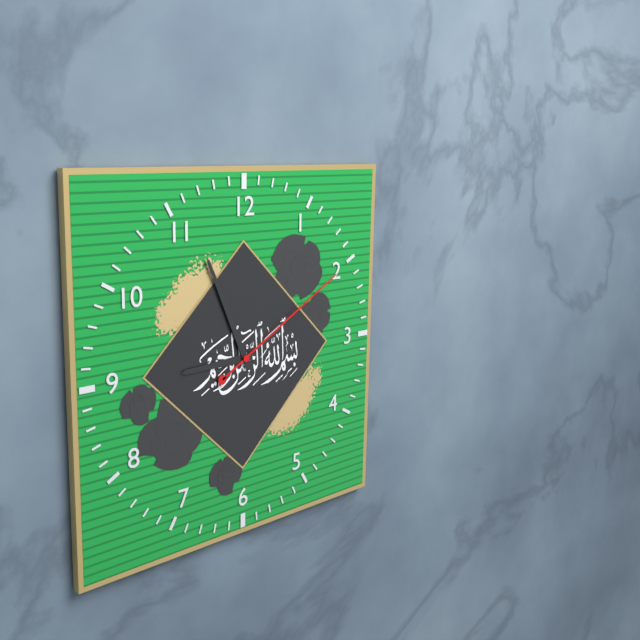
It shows h=8 m=56 s=10
